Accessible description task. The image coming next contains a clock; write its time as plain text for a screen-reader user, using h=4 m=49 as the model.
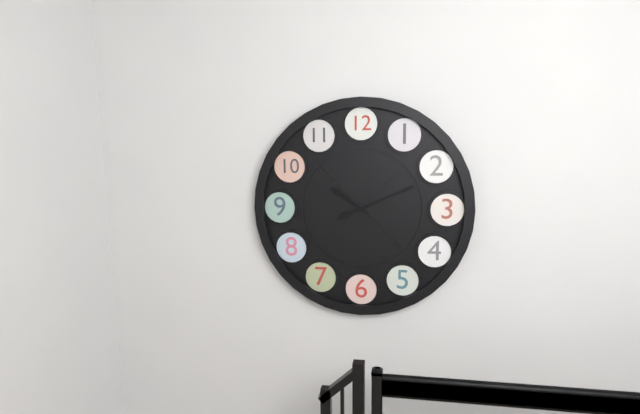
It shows h=10 m=11
